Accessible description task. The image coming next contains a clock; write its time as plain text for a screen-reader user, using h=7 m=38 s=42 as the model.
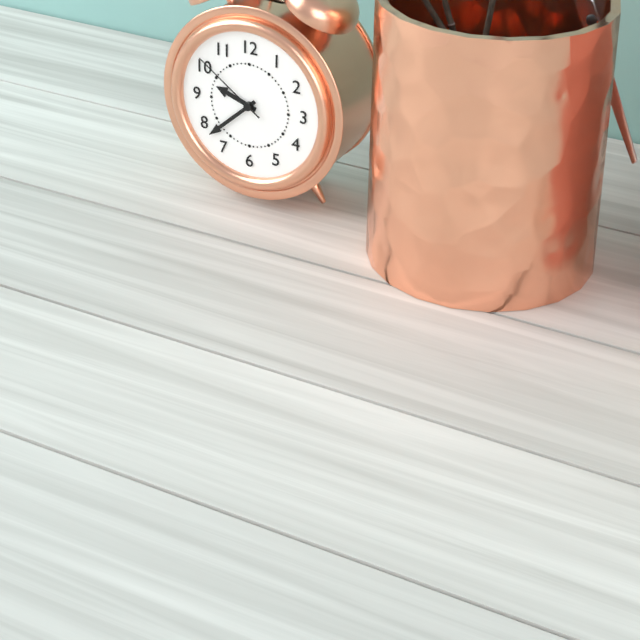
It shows h=9 m=38 s=51
